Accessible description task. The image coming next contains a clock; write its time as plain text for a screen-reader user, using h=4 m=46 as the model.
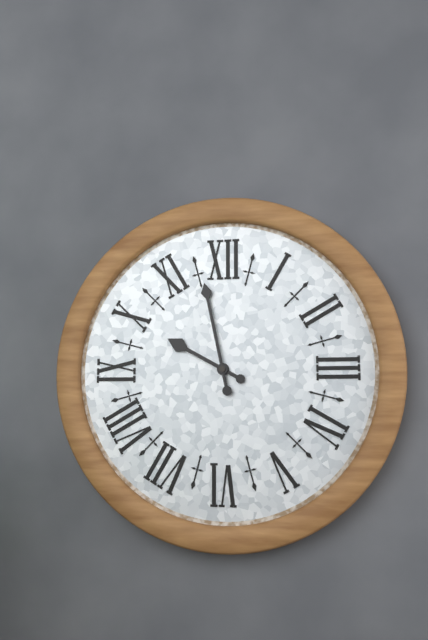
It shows h=9 m=58
